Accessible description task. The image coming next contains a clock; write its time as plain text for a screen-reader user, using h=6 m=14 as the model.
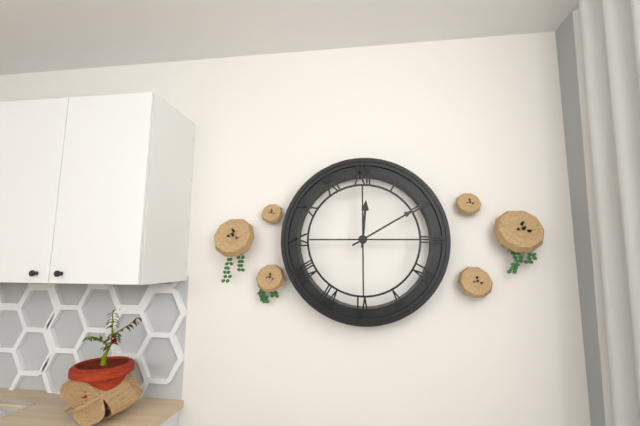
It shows h=12 m=10
